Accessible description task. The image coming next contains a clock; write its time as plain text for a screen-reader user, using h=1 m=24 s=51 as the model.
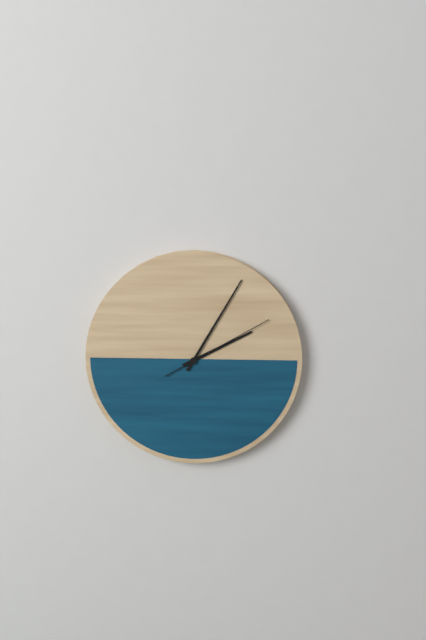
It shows h=2 m=5 s=10
